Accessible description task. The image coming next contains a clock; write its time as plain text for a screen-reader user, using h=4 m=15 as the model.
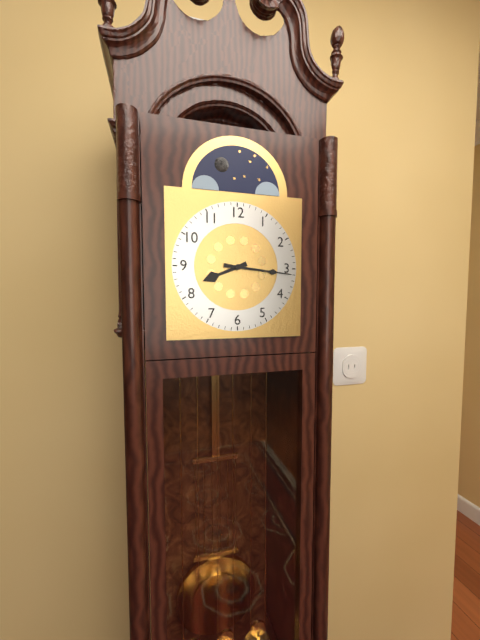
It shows h=8 m=16
